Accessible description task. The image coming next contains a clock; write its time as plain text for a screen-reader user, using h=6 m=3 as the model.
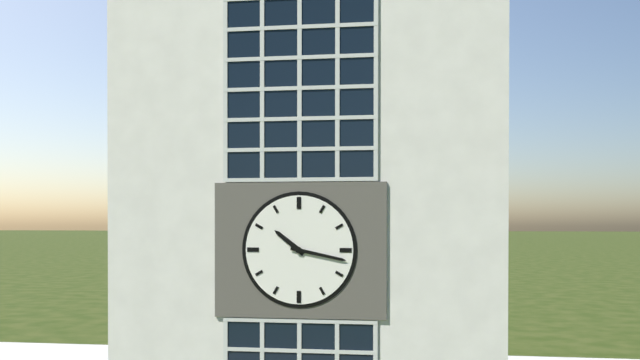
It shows h=10 m=17
